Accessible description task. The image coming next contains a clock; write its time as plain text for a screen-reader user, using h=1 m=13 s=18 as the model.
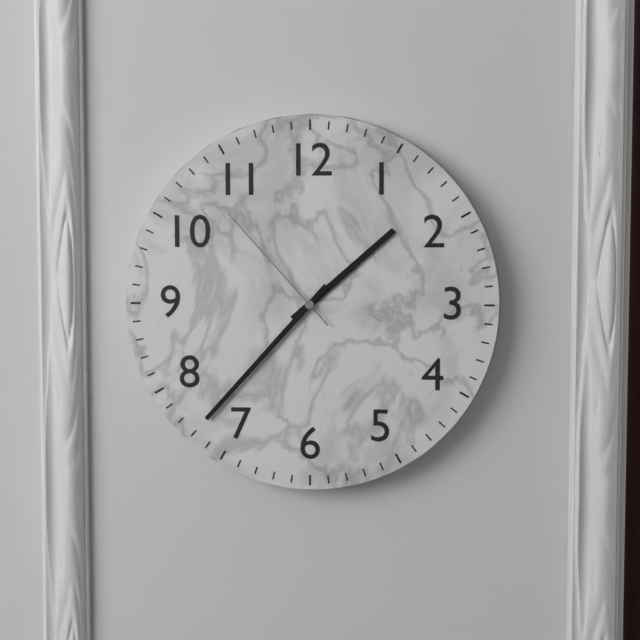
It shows h=1 m=37 s=53
